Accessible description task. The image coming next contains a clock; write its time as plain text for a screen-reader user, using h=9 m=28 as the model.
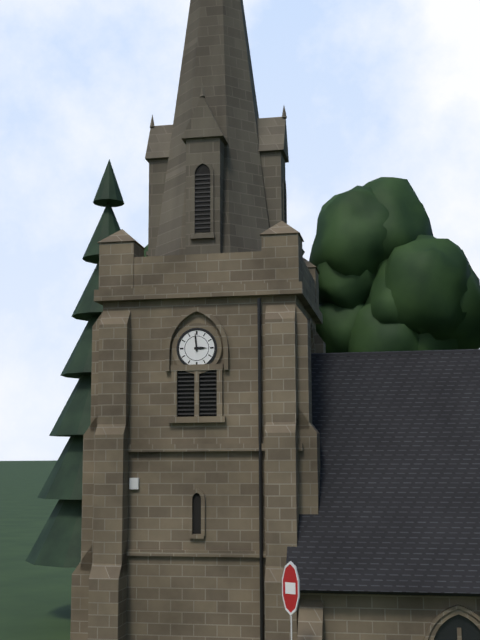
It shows h=2 m=59
